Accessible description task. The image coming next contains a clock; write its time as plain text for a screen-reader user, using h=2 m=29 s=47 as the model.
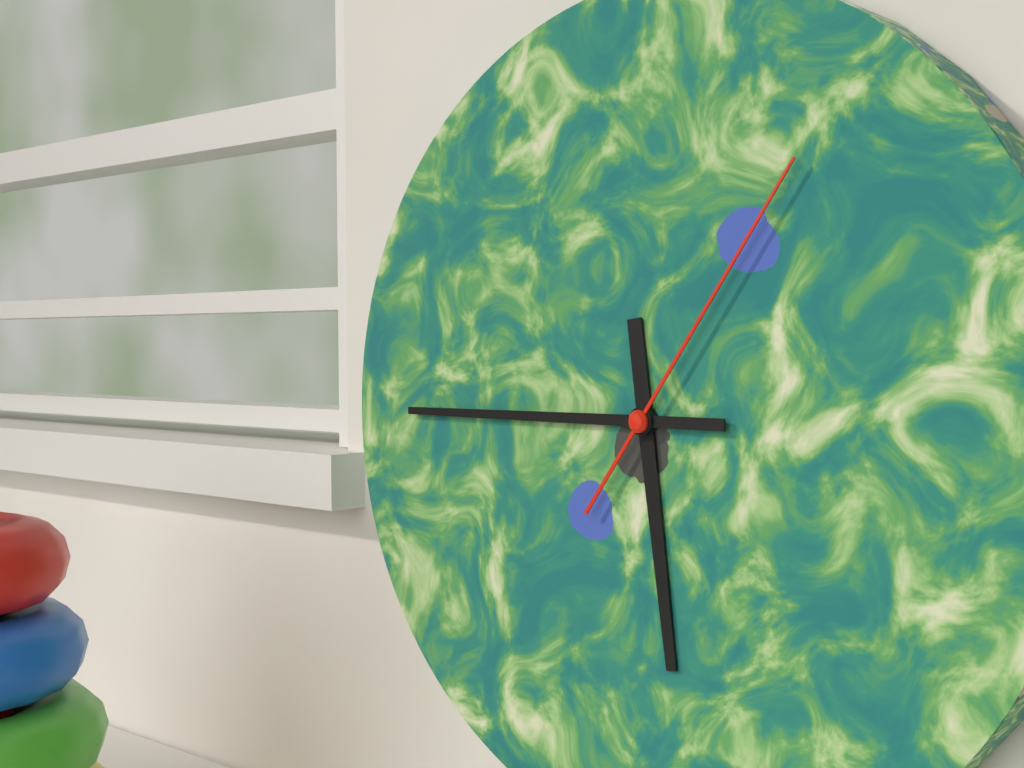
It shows h=5 m=45 s=6
